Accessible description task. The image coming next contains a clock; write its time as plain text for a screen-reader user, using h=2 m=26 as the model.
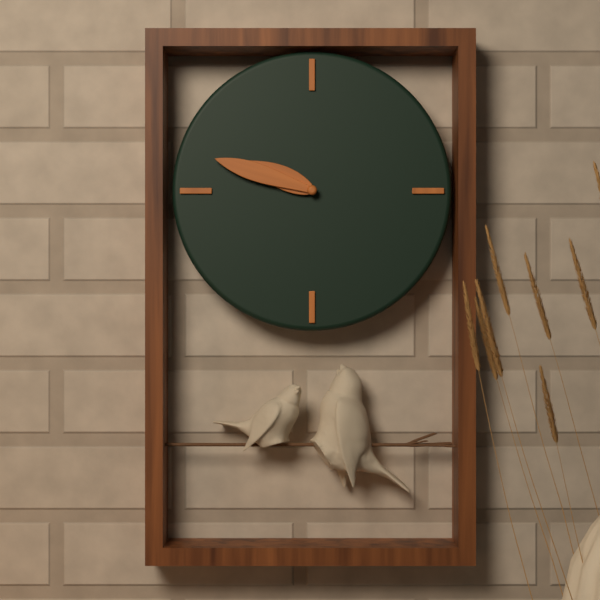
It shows h=9 m=48
